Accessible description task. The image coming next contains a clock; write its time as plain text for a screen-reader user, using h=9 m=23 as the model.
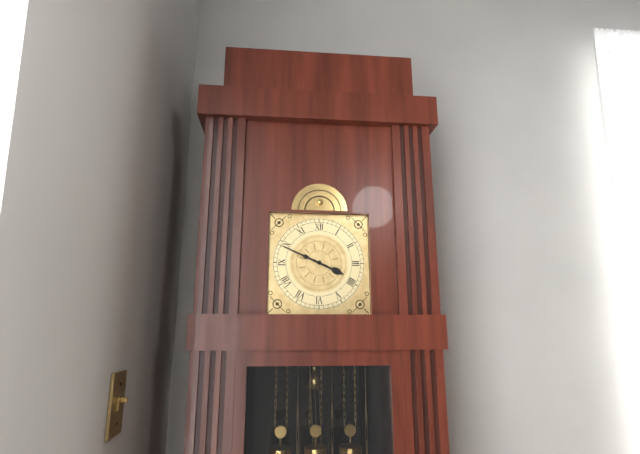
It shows h=3 m=49
